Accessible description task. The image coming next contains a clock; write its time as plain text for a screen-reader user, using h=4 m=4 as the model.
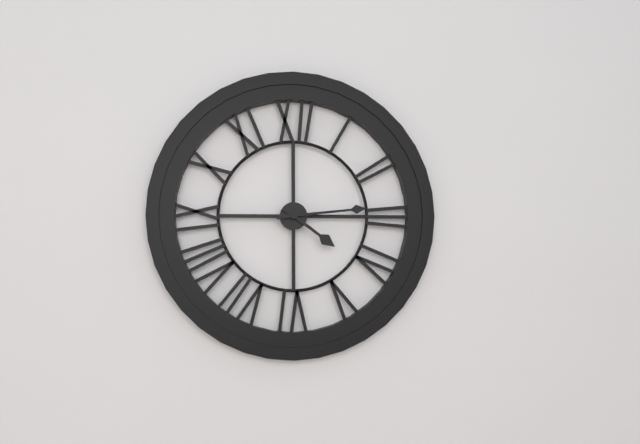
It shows h=4 m=14
